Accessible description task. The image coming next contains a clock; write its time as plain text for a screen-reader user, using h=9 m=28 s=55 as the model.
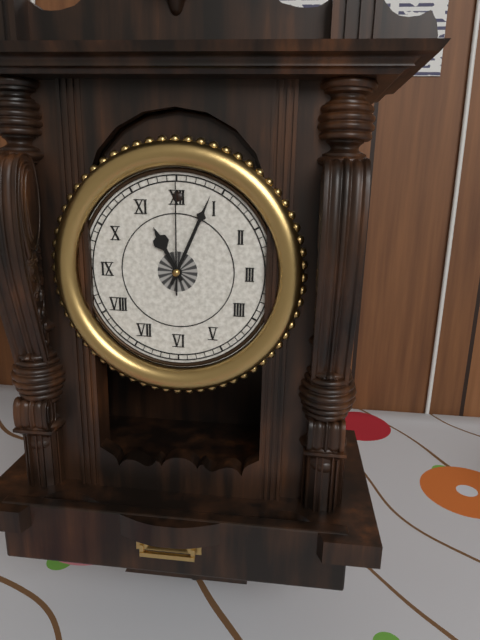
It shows h=11 m=4 s=0
